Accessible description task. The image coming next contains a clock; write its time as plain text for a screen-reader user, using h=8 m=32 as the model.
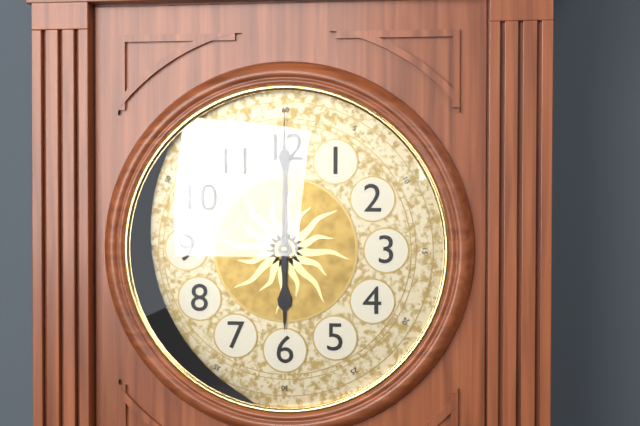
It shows h=6 m=0
